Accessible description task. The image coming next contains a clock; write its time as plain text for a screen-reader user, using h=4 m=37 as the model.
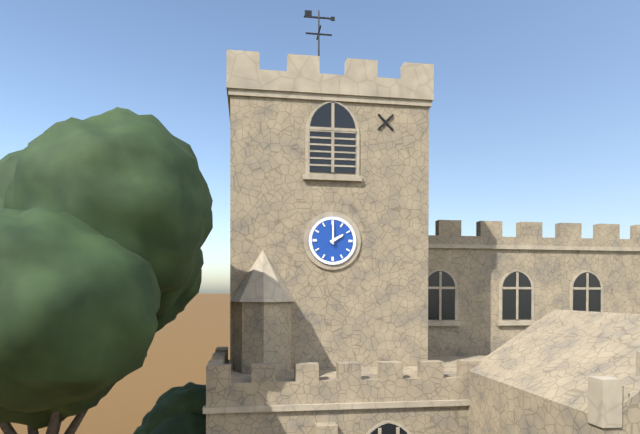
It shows h=2 m=0
